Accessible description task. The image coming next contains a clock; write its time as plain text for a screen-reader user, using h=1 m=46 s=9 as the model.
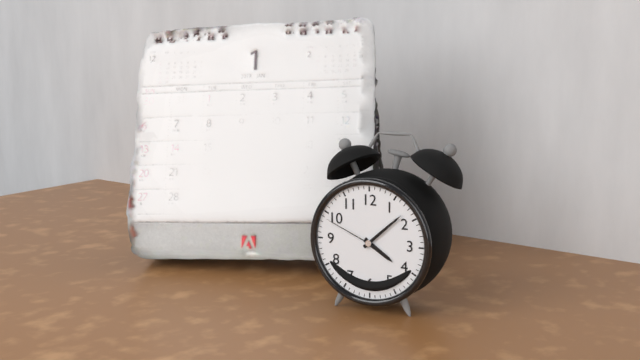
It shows h=4 m=8 s=49
